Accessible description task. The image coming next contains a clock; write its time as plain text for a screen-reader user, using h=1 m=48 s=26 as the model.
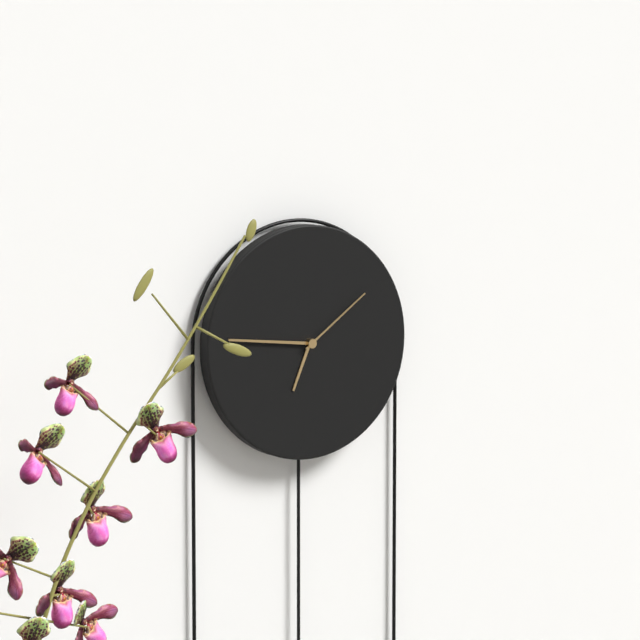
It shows h=6 m=46 s=9
